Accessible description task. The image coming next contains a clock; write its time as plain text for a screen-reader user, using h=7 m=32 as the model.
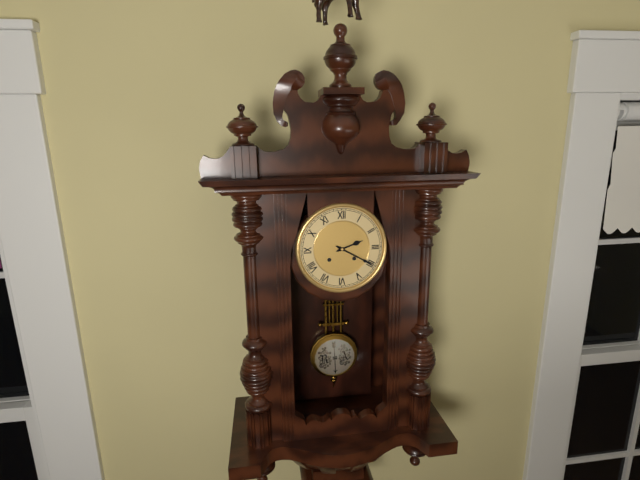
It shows h=2 m=20
